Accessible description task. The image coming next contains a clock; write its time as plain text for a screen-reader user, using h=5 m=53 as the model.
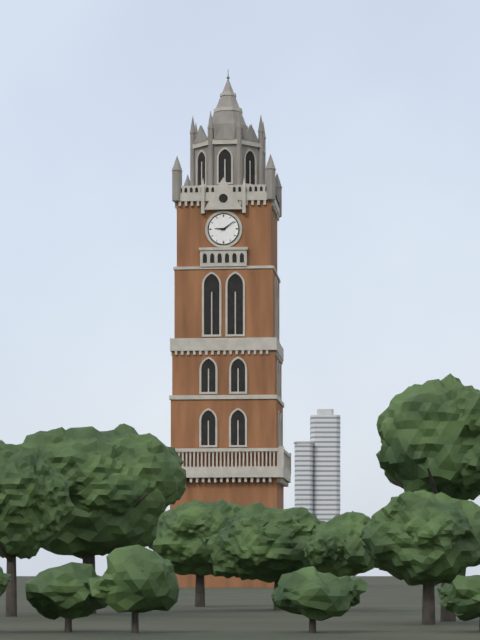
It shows h=9 m=9
